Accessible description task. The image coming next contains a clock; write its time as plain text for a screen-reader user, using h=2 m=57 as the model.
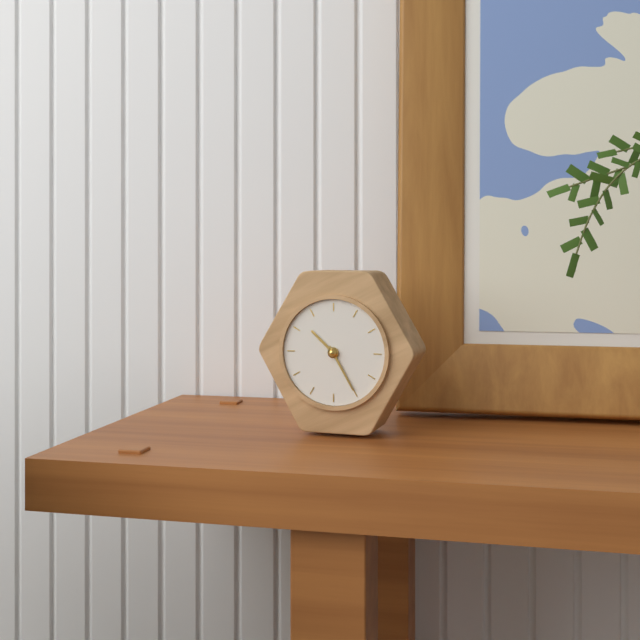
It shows h=10 m=25
